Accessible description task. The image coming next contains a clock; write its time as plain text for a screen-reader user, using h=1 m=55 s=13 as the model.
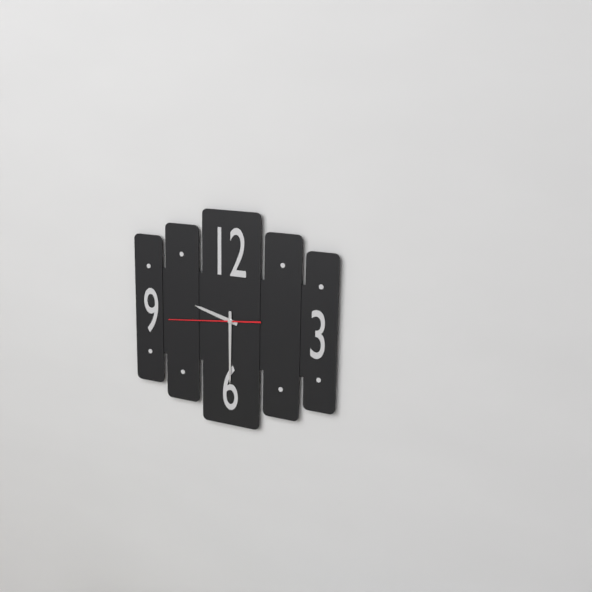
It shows h=9 m=30 s=44
